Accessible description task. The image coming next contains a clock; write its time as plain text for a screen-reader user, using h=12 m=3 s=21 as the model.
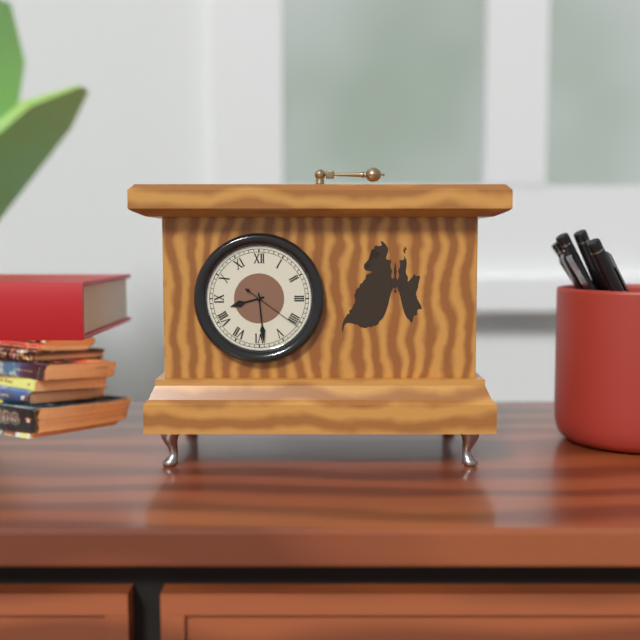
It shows h=8 m=29 s=21
